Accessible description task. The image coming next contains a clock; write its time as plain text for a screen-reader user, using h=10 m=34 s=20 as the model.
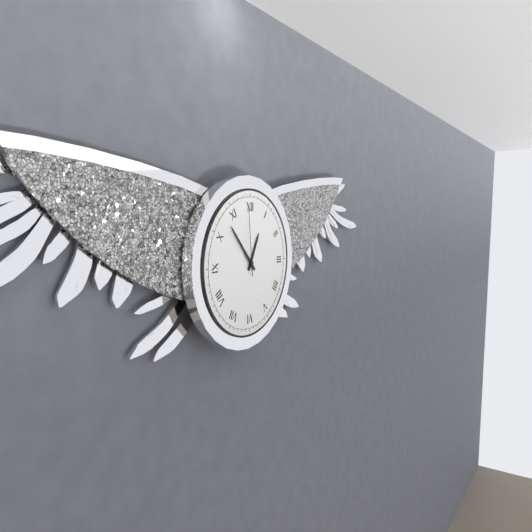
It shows h=12 m=53 s=59
